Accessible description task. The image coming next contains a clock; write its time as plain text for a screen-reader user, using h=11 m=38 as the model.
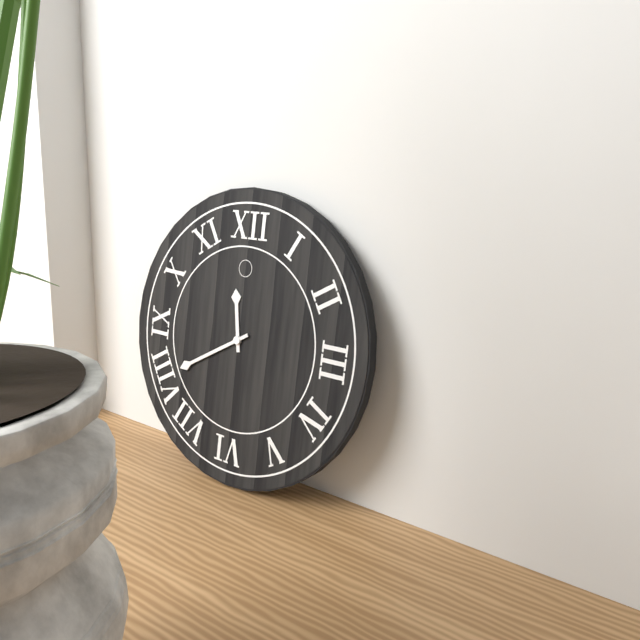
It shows h=11 m=40
